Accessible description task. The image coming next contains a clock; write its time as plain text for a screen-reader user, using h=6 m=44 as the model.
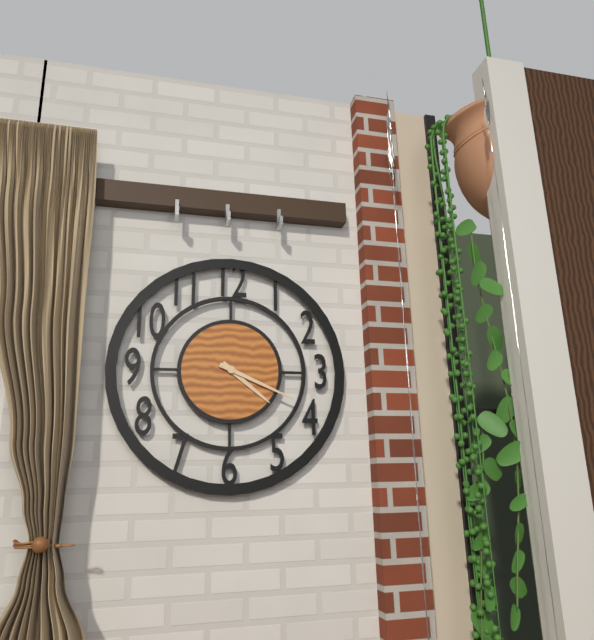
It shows h=4 m=19
